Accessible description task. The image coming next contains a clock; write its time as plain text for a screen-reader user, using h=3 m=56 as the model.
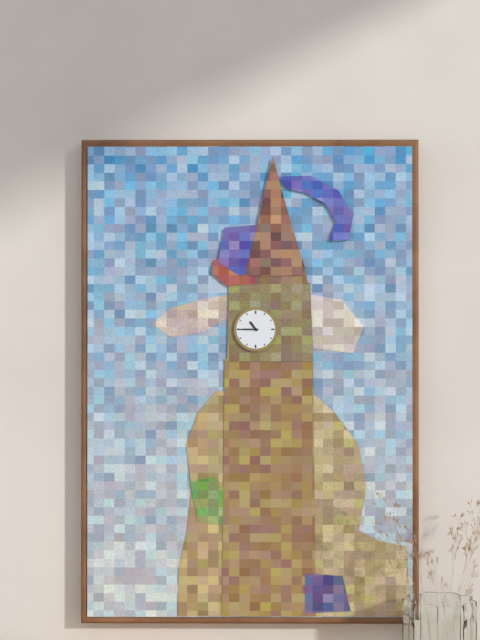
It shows h=10 m=45
